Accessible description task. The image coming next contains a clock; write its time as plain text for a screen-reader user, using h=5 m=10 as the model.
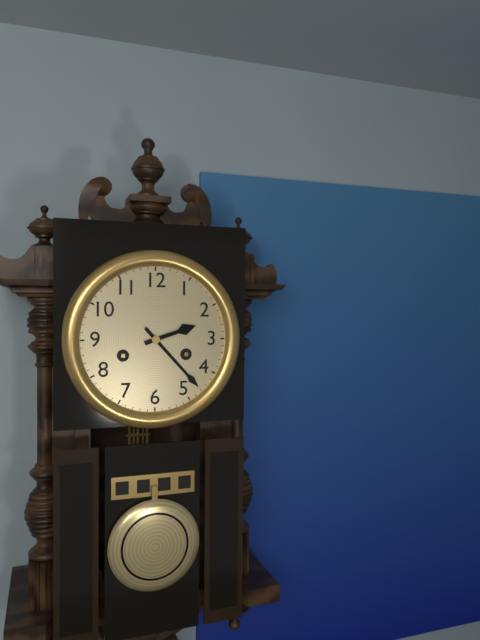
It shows h=2 m=23
